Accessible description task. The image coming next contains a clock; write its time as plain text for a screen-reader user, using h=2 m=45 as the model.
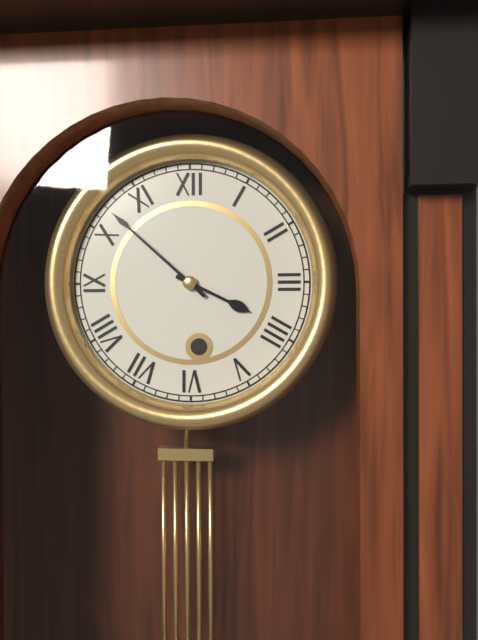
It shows h=3 m=52
